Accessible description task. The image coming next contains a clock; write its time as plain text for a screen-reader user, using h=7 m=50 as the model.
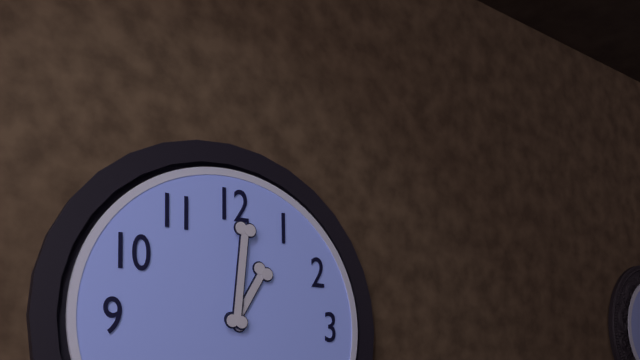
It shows h=1 m=1
